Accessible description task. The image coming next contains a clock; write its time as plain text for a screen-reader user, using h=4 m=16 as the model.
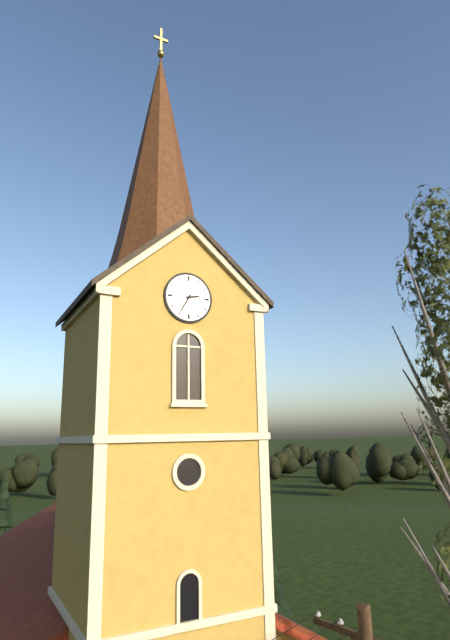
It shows h=2 m=35
